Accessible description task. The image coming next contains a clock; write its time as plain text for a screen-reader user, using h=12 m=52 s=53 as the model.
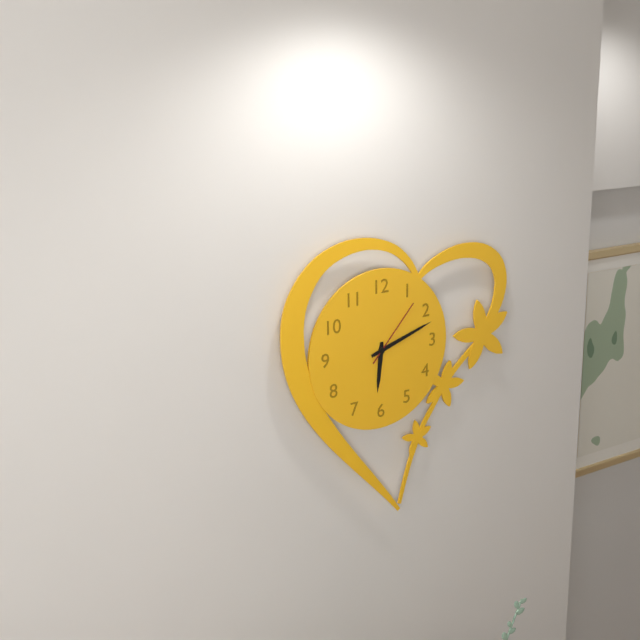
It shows h=6 m=12 s=7
